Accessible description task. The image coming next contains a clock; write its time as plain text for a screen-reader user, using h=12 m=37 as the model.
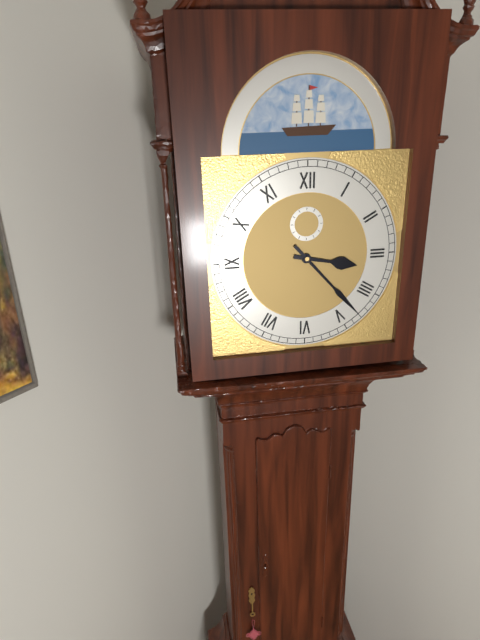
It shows h=3 m=23
